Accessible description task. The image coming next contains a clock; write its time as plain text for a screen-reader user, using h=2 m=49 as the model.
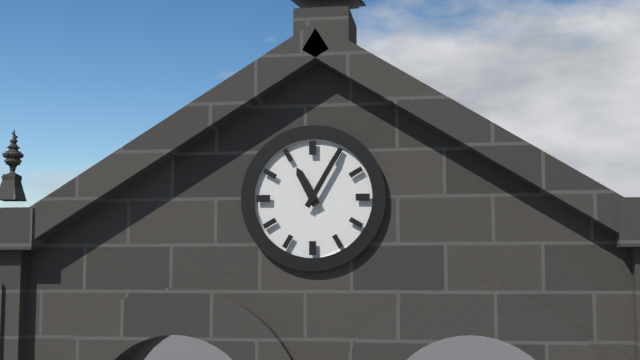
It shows h=11 m=5
